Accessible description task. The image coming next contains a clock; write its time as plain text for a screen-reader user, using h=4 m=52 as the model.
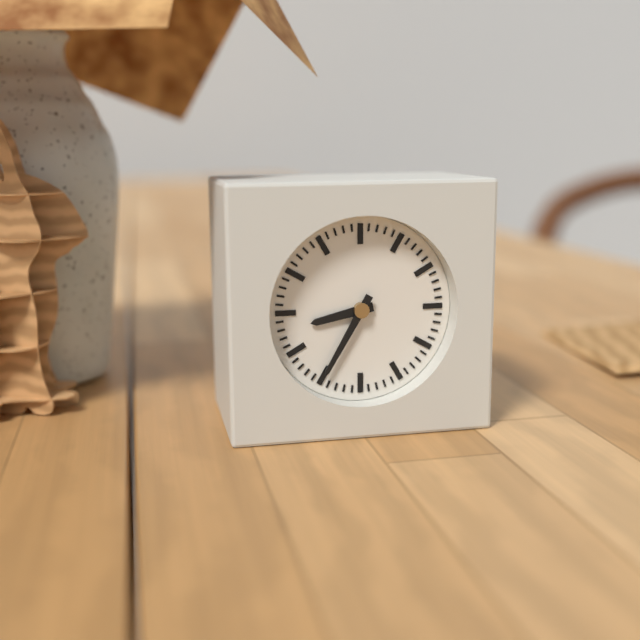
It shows h=8 m=35
